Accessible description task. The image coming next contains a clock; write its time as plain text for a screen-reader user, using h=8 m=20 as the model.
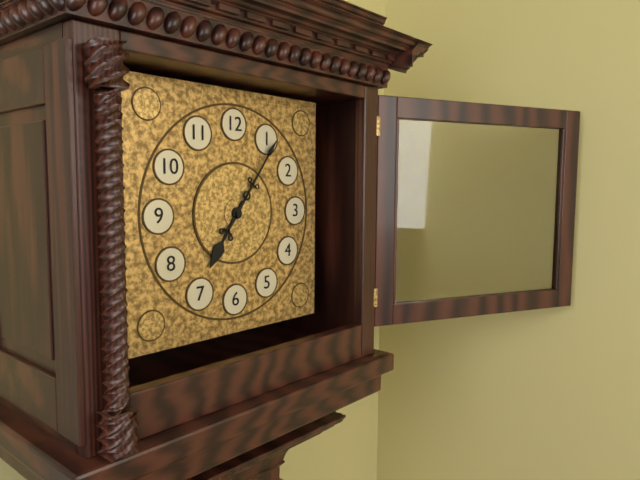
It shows h=7 m=6
